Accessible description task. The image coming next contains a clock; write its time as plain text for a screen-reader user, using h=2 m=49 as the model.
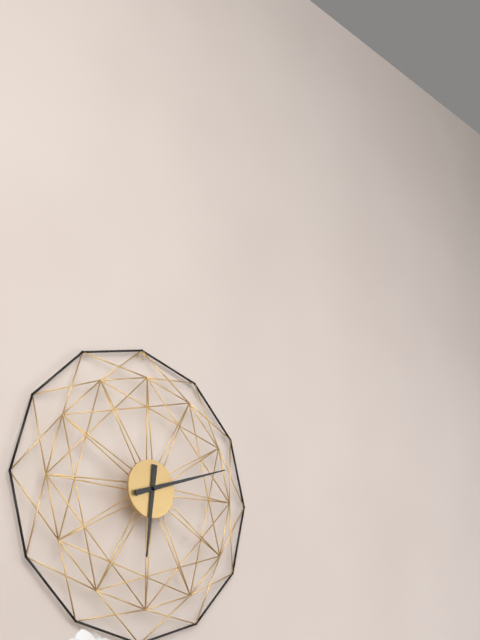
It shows h=6 m=12
